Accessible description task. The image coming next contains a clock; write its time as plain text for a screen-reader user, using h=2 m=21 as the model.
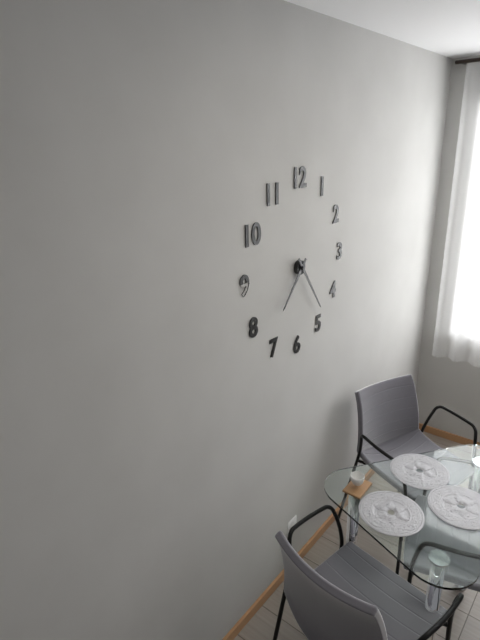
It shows h=7 m=24
